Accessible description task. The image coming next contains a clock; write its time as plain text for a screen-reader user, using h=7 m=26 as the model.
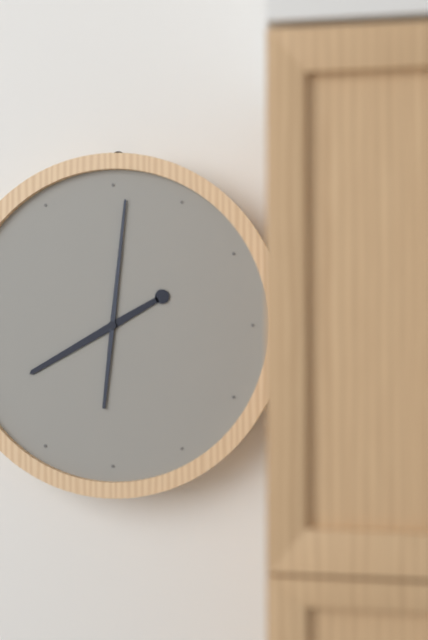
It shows h=8 m=1
